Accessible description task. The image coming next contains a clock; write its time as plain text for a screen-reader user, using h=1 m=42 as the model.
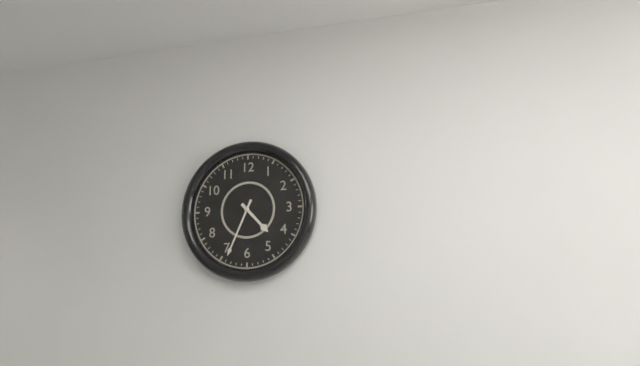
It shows h=4 m=34
